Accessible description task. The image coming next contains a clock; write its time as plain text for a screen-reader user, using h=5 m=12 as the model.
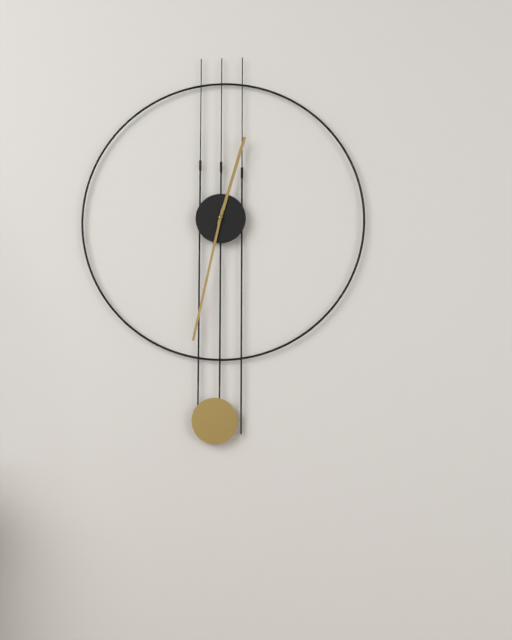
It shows h=12 m=32
